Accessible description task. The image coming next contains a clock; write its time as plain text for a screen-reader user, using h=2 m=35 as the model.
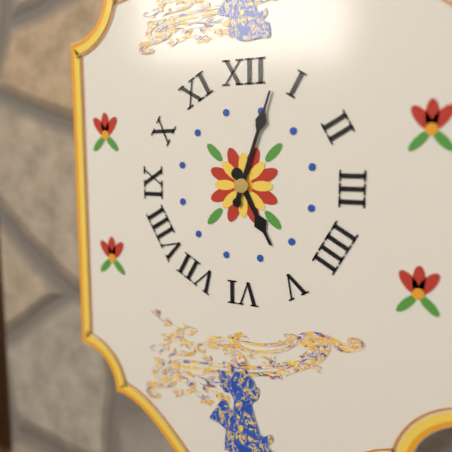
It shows h=5 m=3
